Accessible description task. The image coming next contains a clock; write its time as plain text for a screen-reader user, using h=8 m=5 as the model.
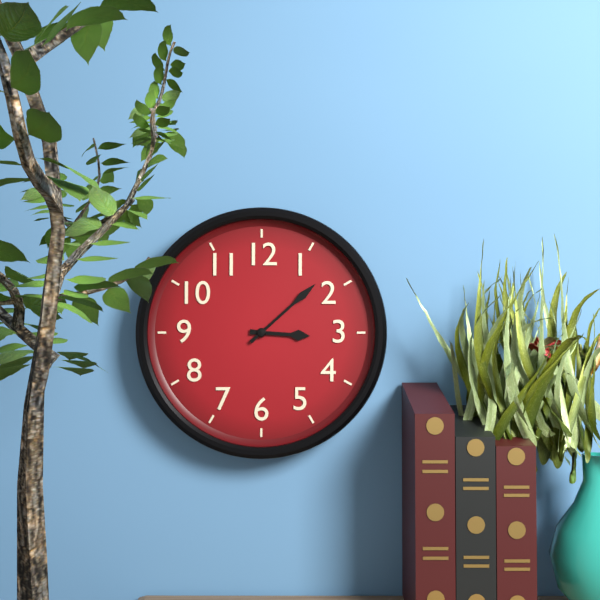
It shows h=3 m=8
